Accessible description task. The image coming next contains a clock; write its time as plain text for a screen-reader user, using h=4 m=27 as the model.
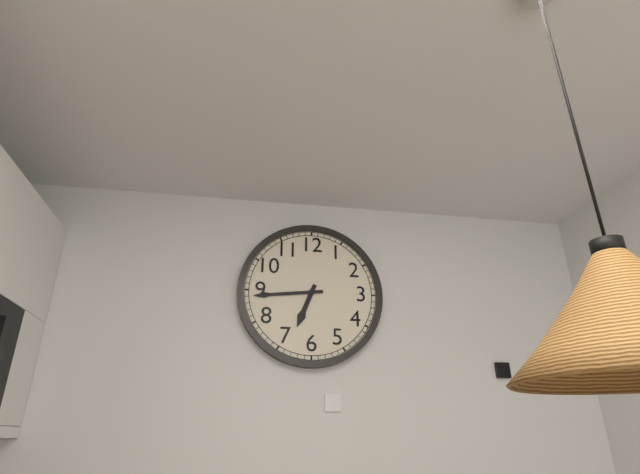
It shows h=6 m=44
